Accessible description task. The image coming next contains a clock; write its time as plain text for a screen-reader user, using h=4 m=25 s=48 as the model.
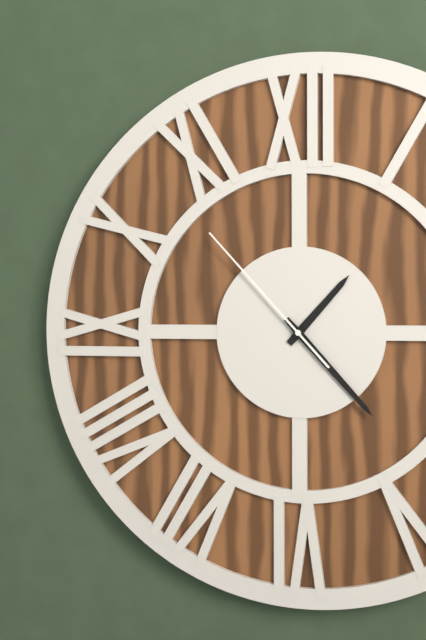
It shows h=1 m=23 s=53
